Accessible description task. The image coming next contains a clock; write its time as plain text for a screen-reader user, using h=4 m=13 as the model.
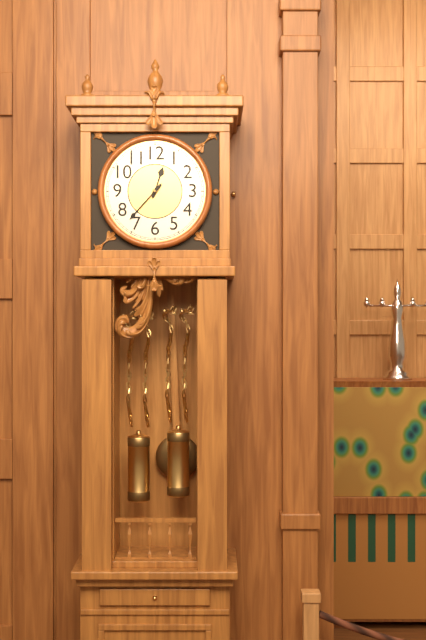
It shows h=12 m=37
